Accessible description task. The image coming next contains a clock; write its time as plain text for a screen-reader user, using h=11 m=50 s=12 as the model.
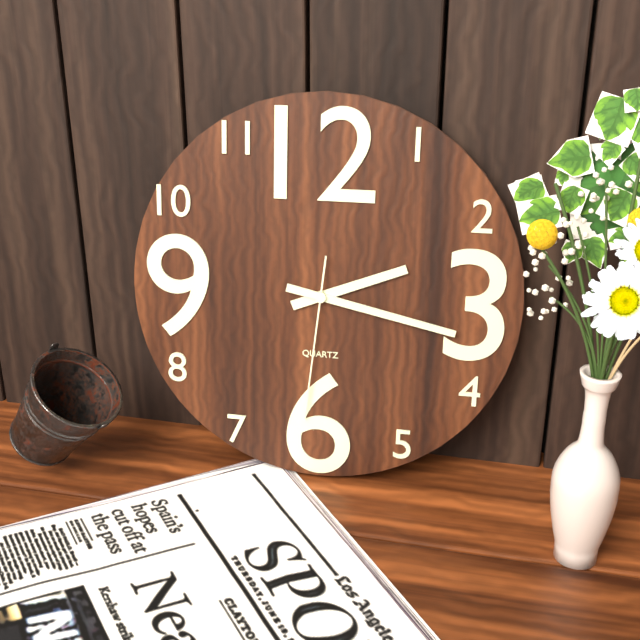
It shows h=2 m=17 s=31
